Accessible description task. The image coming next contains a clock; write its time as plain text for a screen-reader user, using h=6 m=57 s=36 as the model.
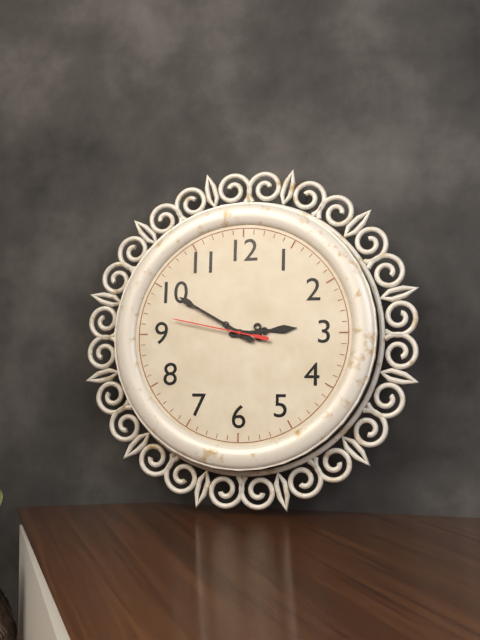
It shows h=2 m=50 s=47
